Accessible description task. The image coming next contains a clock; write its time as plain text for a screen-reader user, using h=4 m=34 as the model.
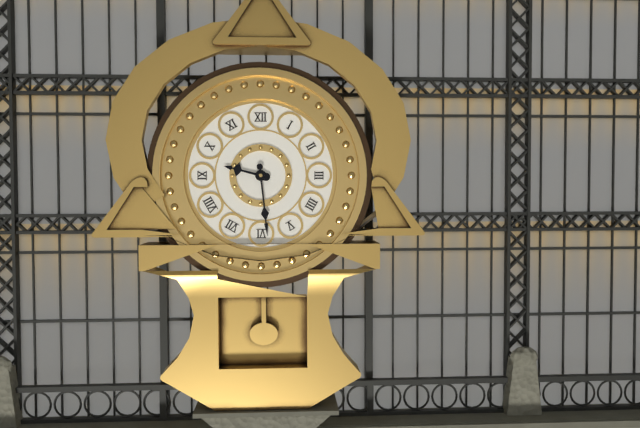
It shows h=9 m=29
